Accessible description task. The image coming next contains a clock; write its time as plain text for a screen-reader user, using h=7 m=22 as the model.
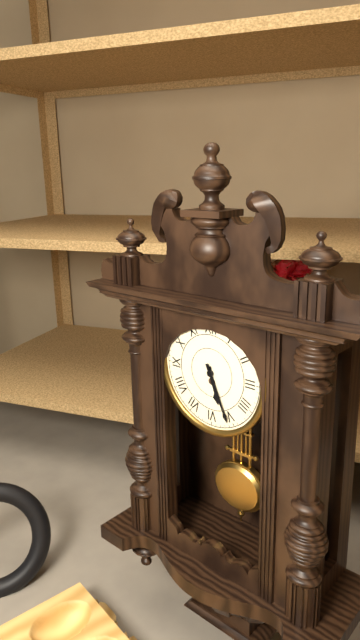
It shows h=5 m=26
